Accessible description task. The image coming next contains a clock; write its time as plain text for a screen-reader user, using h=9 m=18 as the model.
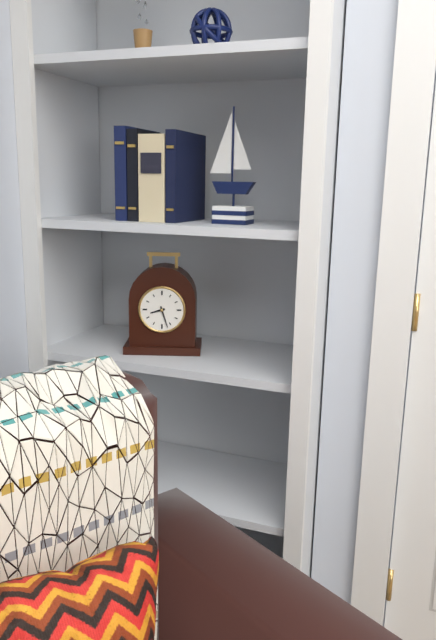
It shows h=8 m=27
